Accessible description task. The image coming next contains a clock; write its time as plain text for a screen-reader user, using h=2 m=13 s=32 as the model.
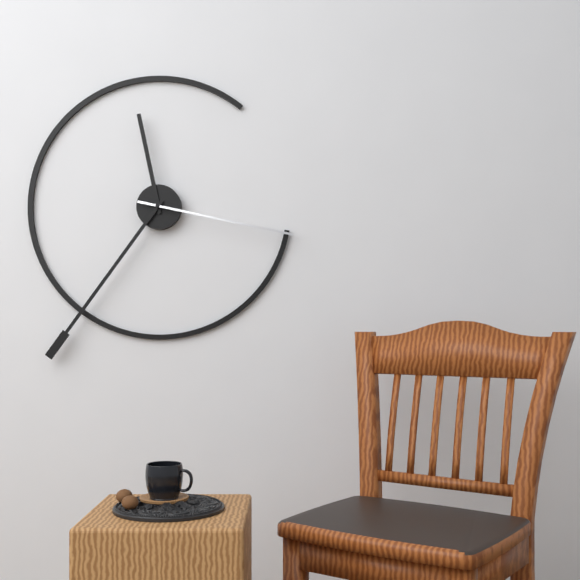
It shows h=11 m=36 s=17
